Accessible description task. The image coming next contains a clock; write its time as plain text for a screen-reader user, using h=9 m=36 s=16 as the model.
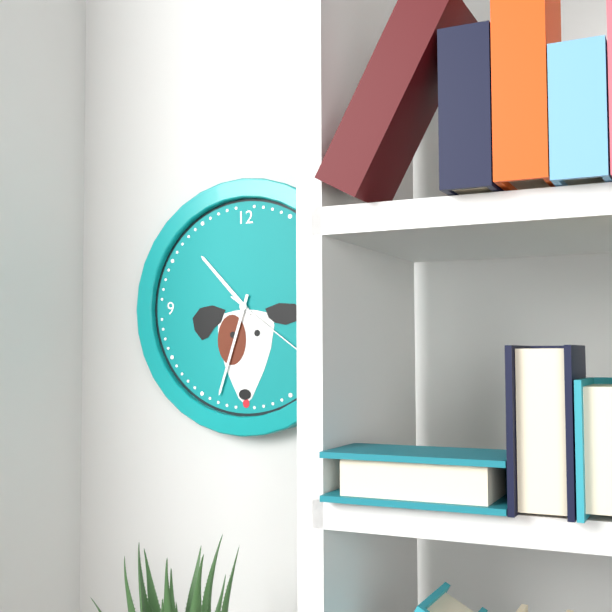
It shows h=10 m=33 s=21
